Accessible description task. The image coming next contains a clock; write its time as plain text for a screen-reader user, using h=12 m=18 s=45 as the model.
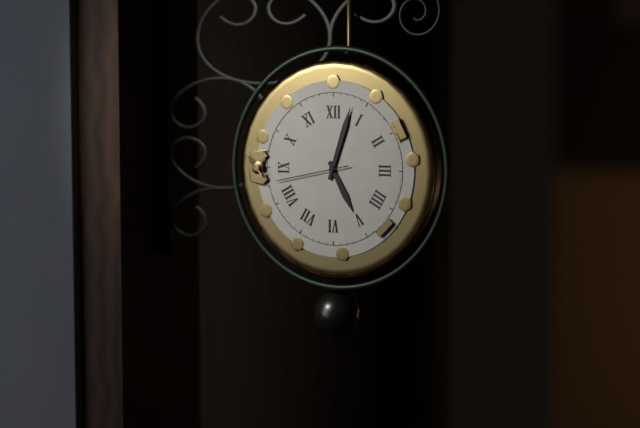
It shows h=5 m=3 s=43
